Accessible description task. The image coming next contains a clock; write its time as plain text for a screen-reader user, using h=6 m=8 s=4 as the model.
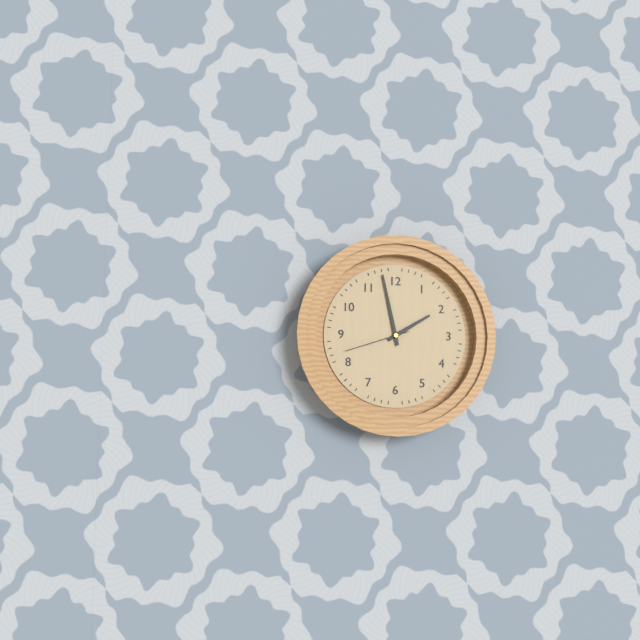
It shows h=1 m=58 s=42
